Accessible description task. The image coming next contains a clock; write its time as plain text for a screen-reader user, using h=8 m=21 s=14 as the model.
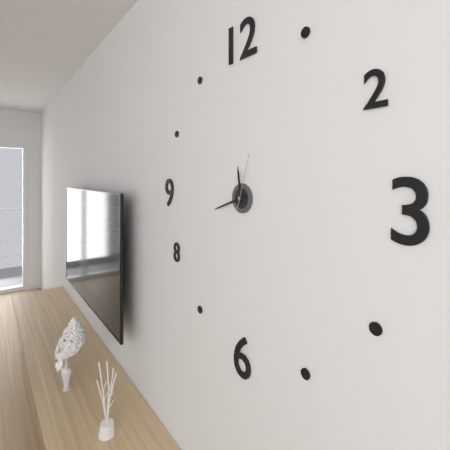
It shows h=11 m=42 s=3
